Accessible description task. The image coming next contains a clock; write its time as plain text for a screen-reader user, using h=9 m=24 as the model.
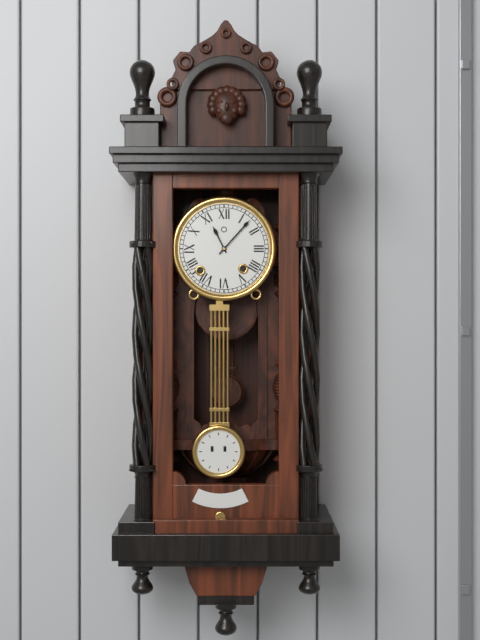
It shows h=11 m=7
